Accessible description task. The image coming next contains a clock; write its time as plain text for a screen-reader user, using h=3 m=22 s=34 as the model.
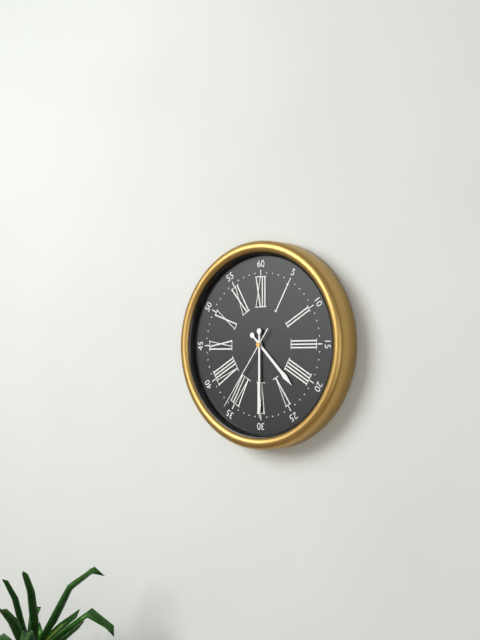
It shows h=4 m=30 s=36
